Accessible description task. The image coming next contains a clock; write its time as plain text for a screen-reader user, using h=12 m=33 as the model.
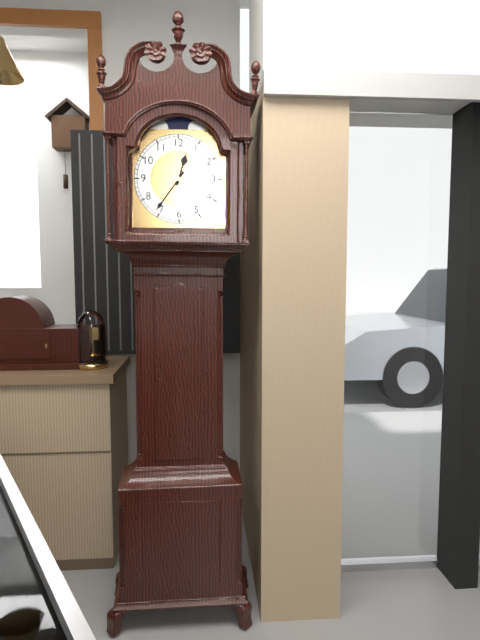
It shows h=12 m=36
